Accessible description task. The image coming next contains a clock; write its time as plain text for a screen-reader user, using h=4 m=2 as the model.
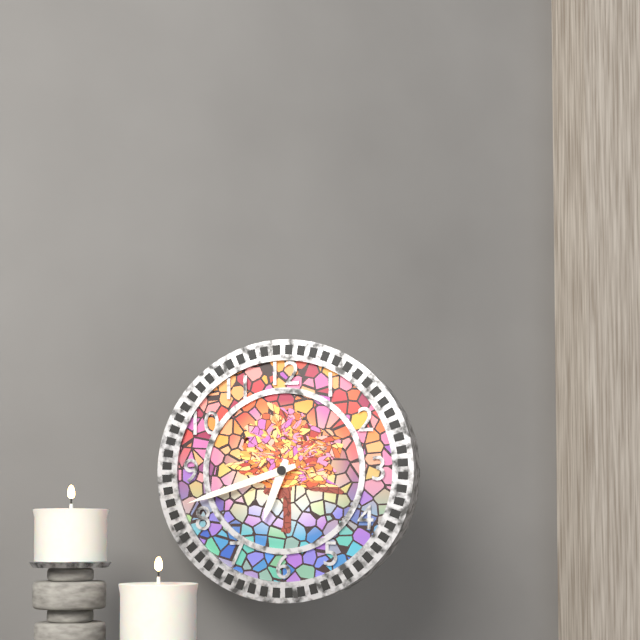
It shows h=6 m=42
